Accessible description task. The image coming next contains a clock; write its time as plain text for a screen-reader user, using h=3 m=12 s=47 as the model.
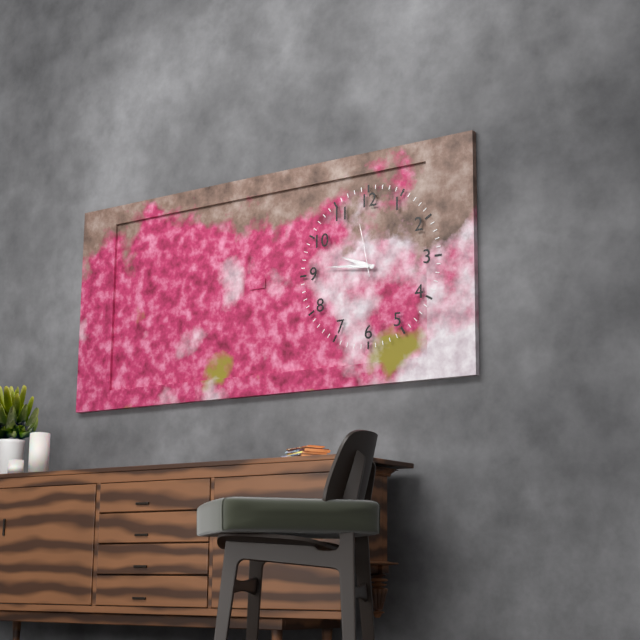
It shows h=9 m=46 s=58
